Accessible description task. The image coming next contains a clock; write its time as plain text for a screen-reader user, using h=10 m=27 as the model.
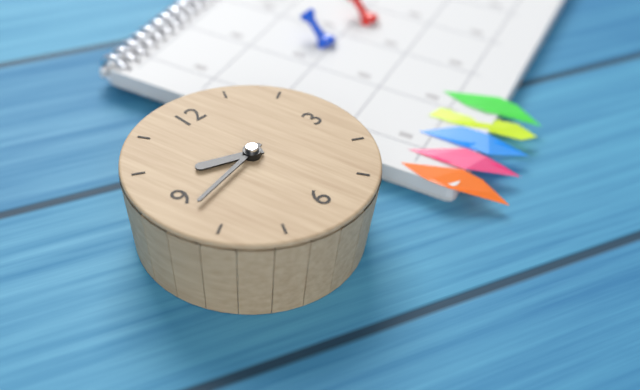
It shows h=9 m=43
